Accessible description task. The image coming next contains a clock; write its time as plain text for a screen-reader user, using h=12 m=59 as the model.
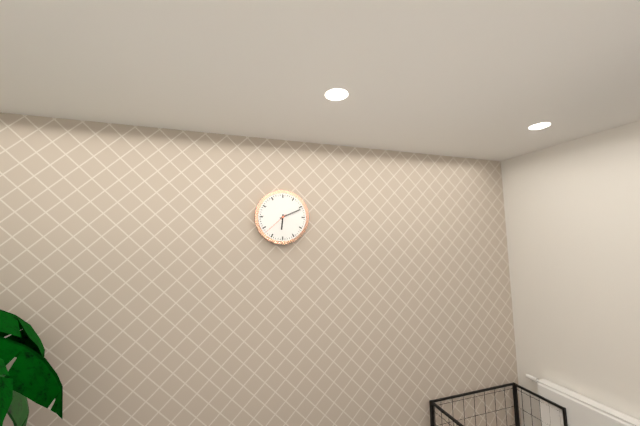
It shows h=6 m=11
